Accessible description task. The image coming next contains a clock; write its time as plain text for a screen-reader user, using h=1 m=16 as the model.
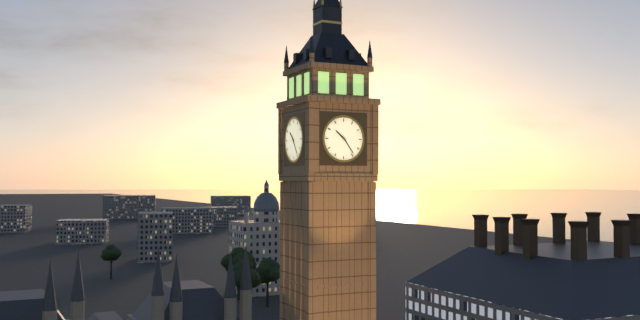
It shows h=10 m=24
